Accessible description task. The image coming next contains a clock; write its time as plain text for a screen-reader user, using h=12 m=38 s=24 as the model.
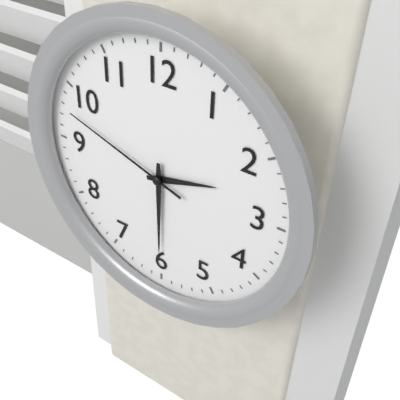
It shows h=2 m=30 s=48
